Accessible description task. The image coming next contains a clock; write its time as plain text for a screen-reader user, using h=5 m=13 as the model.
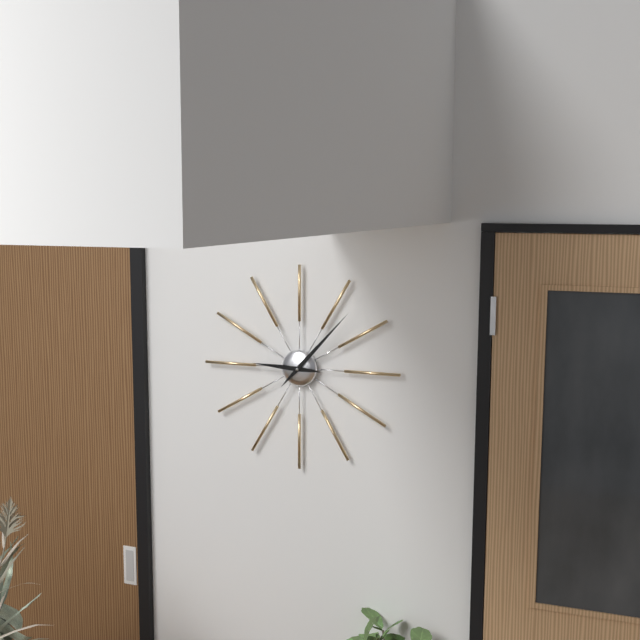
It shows h=9 m=7
